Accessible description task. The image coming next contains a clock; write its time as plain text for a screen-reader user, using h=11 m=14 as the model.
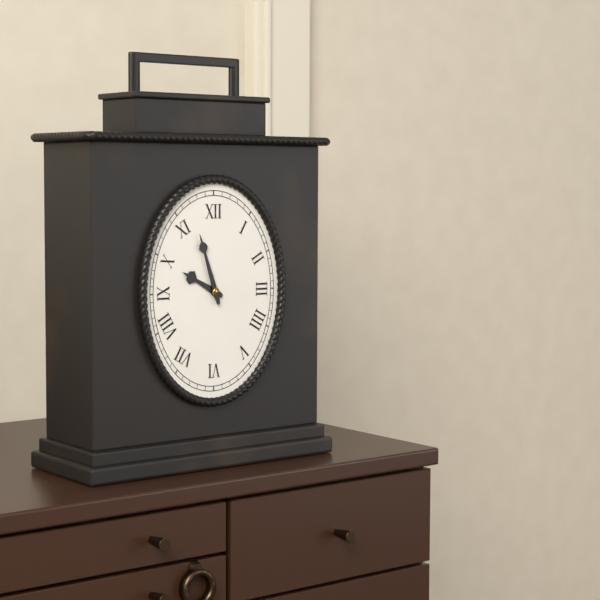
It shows h=9 m=57
